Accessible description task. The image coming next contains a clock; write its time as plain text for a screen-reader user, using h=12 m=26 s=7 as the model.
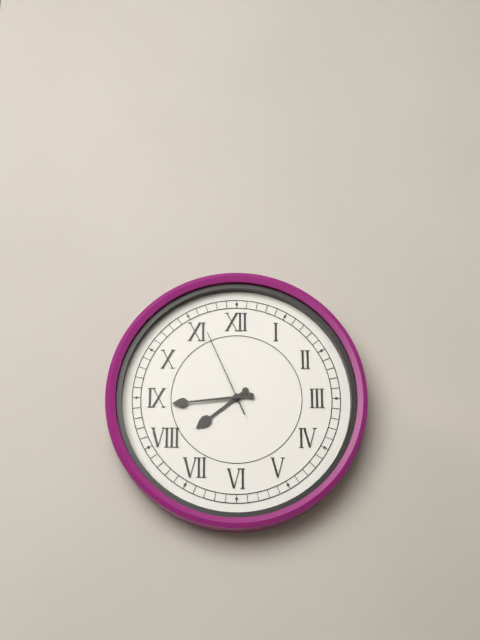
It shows h=7 m=44 s=56
